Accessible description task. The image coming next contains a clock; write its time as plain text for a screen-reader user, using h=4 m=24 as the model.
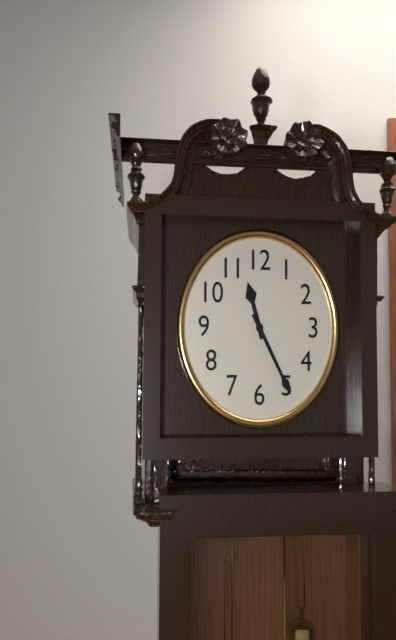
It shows h=11 m=25
